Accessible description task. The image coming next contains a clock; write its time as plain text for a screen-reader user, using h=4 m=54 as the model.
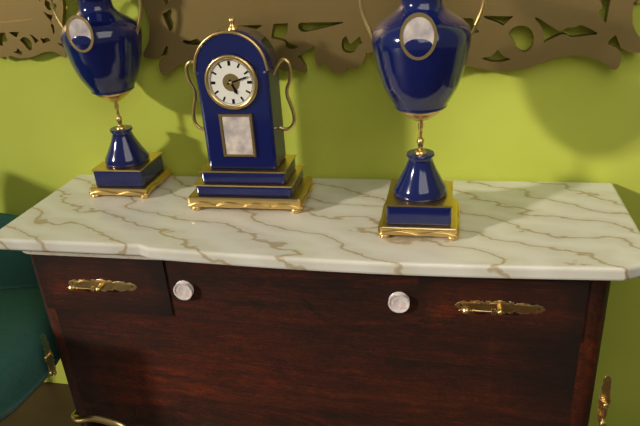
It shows h=5 m=12
